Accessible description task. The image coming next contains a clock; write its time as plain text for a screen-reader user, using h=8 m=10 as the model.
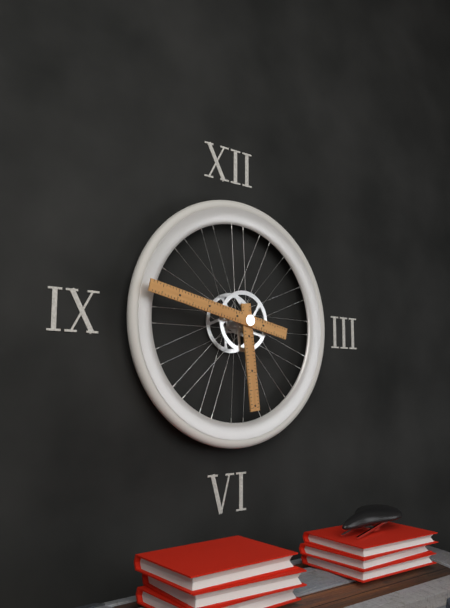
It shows h=5 m=47
